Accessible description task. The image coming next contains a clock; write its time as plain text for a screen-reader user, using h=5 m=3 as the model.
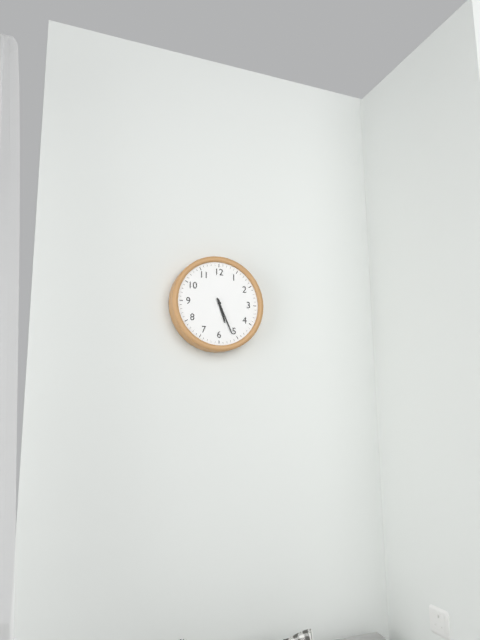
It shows h=5 m=26
